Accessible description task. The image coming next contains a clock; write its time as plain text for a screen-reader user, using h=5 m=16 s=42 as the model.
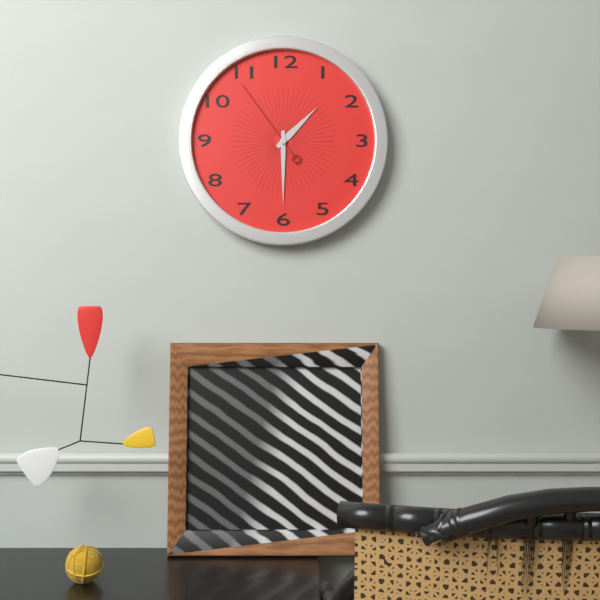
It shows h=1 m=30 s=54
